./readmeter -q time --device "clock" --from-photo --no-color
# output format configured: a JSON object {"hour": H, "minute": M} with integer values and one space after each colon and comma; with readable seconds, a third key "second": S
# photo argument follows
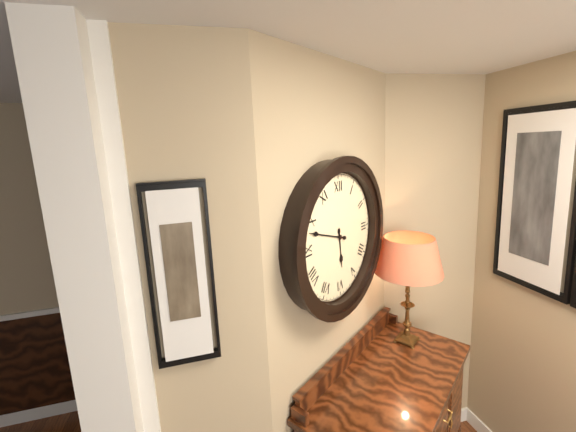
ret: {"hour": 5, "minute": 48}
